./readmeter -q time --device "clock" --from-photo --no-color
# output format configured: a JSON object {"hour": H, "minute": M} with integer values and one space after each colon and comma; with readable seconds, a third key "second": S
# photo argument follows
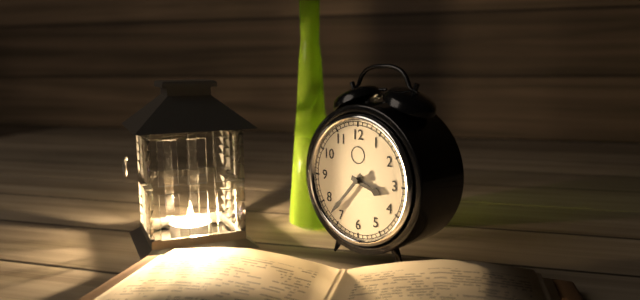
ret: {"hour": 3, "minute": 37}
